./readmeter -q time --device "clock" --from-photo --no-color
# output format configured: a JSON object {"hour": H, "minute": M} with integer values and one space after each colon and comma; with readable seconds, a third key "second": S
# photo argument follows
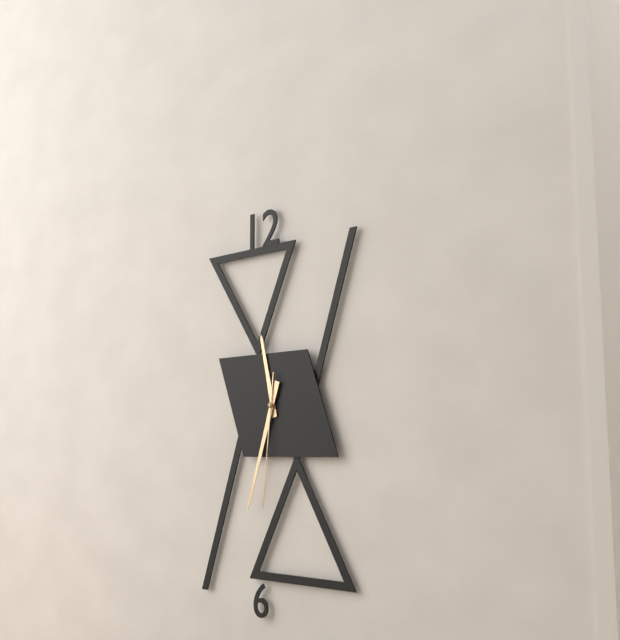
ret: {"hour": 11, "minute": 33, "second": 31}
